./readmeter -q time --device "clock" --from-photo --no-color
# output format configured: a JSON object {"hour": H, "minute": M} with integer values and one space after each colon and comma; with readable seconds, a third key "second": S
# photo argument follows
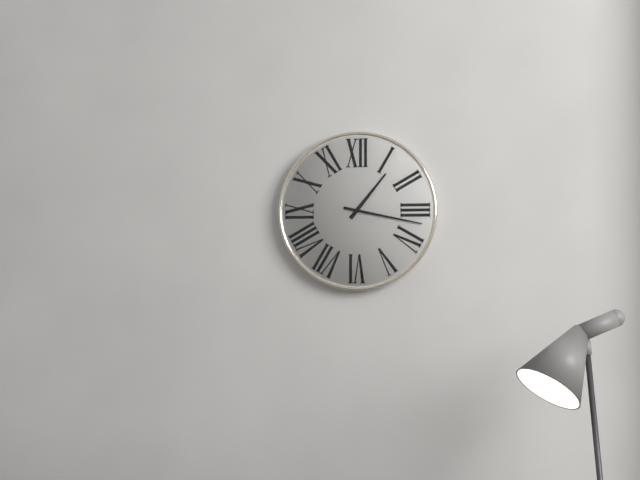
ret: {"hour": 1, "minute": 17}
